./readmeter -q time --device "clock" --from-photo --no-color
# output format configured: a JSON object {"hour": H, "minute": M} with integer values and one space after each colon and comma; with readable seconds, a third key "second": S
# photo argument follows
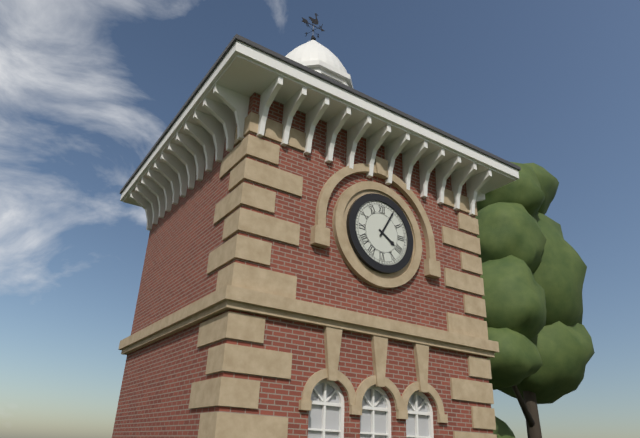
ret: {"hour": 4, "minute": 5}
